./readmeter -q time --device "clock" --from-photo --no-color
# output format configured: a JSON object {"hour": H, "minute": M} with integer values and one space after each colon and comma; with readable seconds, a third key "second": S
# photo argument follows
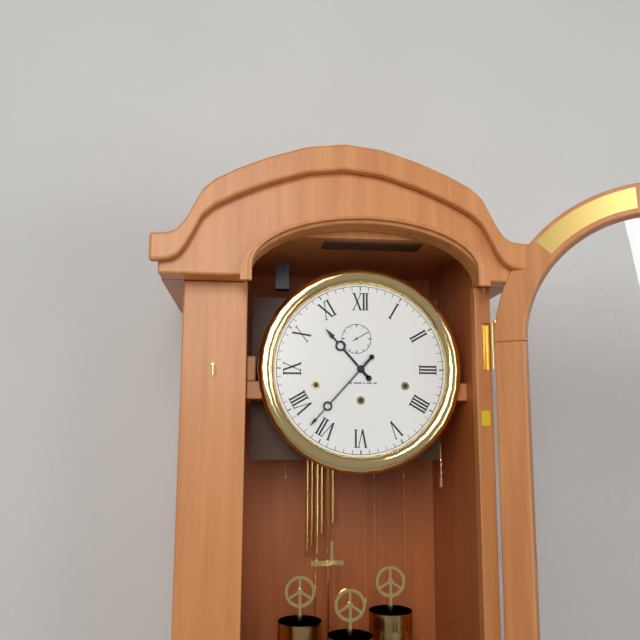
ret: {"hour": 10, "minute": 37}
